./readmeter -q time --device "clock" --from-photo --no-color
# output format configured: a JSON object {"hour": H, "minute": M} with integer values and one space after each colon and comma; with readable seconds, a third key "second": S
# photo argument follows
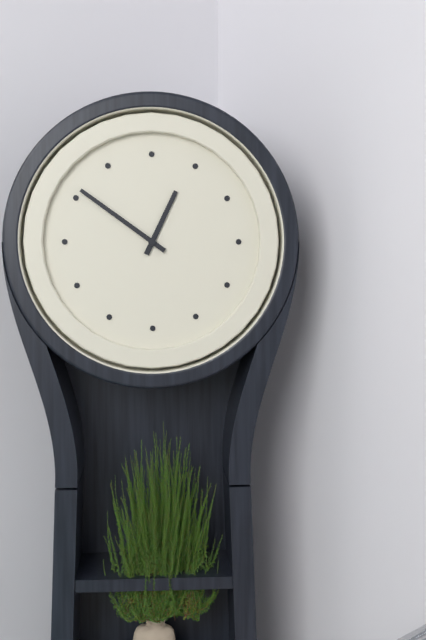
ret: {"hour": 12, "minute": 51}
